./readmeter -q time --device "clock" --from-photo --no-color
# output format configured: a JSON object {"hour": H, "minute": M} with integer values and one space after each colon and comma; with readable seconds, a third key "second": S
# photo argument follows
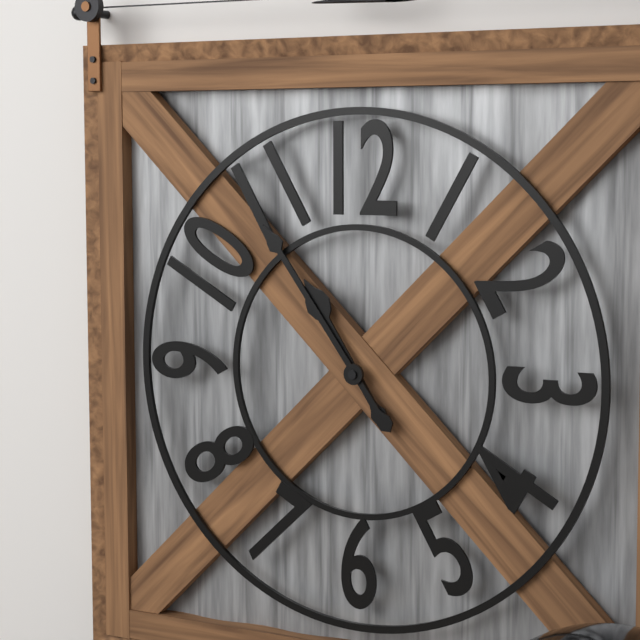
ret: {"hour": 10, "minute": 54}
